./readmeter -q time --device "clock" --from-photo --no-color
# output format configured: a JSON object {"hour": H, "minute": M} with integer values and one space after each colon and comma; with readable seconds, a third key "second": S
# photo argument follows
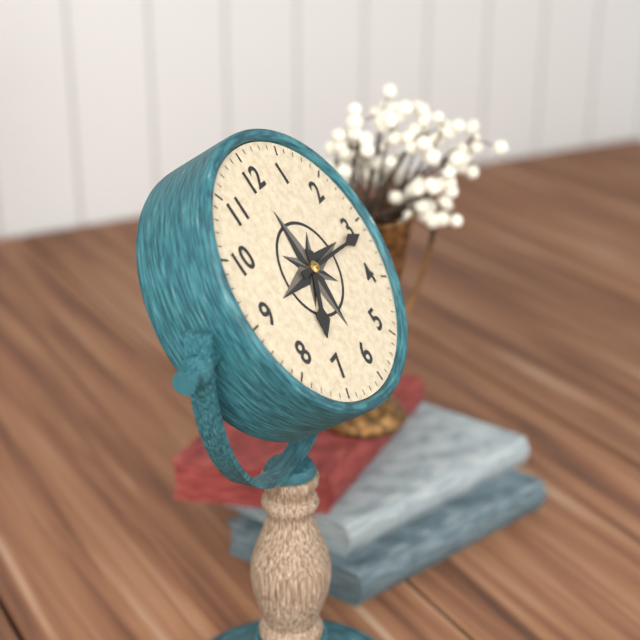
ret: {"hour": 7, "minute": 16}
